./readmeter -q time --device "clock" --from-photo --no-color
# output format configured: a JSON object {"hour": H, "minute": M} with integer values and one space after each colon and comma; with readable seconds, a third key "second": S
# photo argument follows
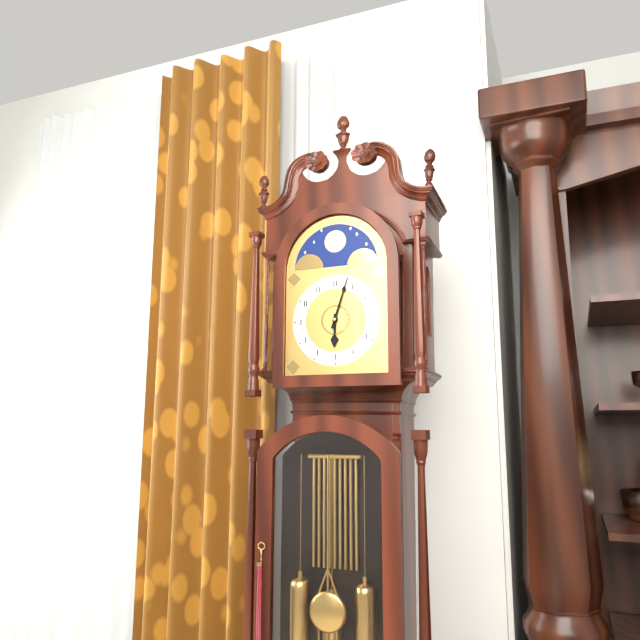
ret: {"hour": 6, "minute": 3}
